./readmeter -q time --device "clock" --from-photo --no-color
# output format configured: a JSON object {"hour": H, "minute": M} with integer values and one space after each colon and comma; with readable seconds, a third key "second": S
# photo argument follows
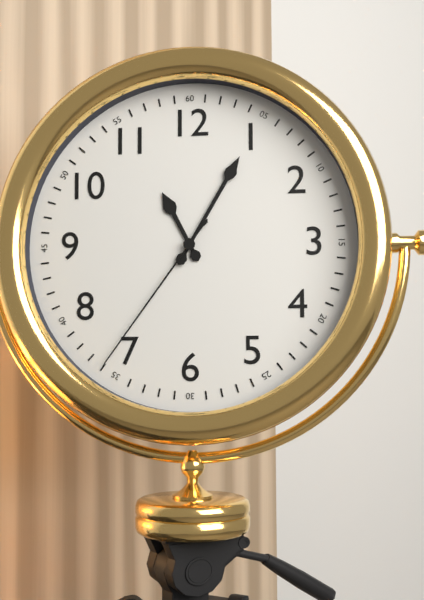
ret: {"hour": 11, "minute": 5, "second": 36}
